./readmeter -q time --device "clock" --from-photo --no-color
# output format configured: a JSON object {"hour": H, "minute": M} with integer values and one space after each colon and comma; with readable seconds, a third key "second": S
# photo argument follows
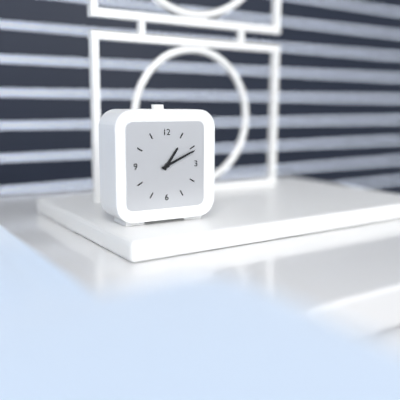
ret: {"hour": 1, "minute": 11}
